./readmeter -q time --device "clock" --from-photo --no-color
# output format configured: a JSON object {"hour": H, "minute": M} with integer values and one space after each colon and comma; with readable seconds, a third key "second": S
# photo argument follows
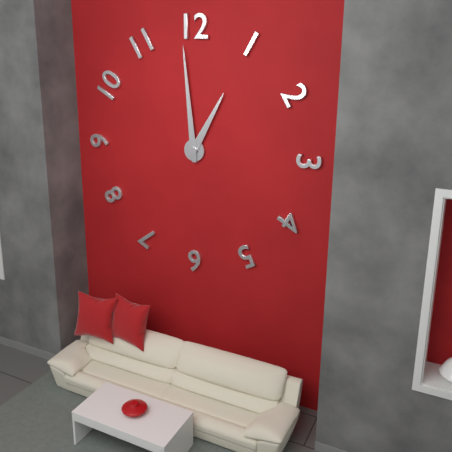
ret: {"hour": 12, "minute": 59}
